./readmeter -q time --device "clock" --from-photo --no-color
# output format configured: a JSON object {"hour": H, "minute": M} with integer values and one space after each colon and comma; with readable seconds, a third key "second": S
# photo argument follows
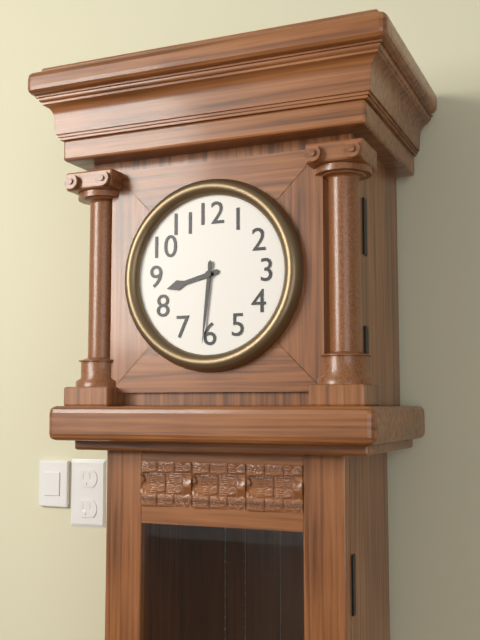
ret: {"hour": 8, "minute": 31}
